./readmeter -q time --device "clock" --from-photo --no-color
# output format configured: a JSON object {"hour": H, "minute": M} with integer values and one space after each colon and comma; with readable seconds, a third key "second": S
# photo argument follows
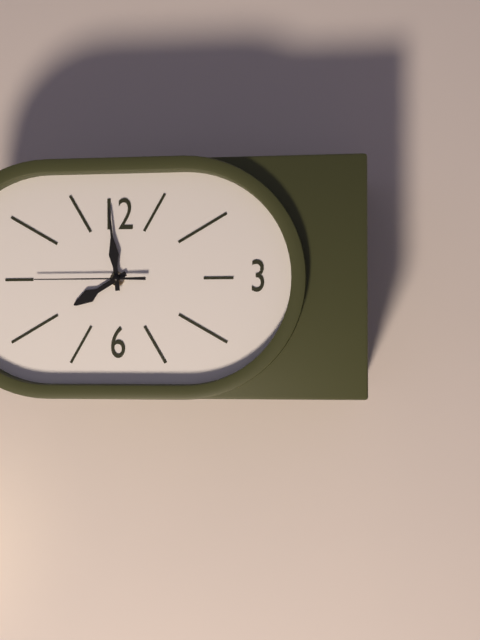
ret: {"hour": 7, "minute": 59, "second": 45}
